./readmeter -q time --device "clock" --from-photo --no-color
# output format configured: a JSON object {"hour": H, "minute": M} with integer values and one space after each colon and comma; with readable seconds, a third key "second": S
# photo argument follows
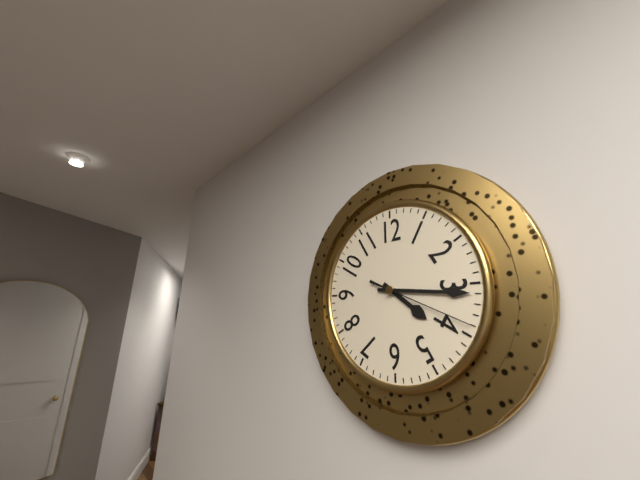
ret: {"hour": 4, "minute": 16, "second": 19}
